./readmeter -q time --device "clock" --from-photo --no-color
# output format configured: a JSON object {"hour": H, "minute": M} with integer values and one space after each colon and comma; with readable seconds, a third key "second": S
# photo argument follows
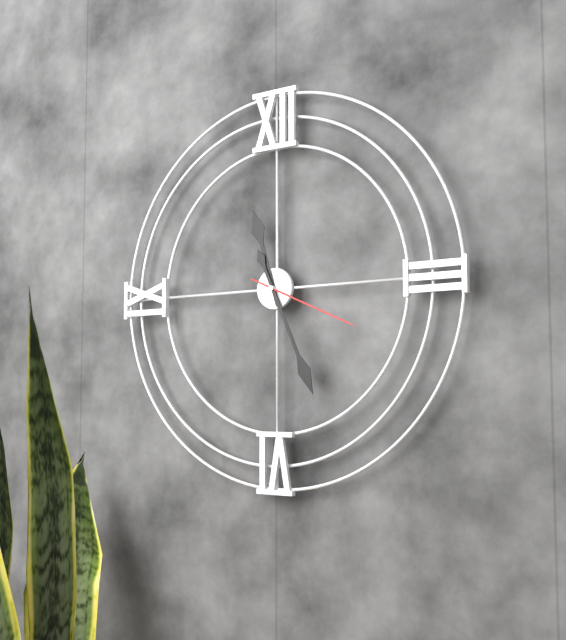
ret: {"hour": 11, "minute": 26, "second": 19}
